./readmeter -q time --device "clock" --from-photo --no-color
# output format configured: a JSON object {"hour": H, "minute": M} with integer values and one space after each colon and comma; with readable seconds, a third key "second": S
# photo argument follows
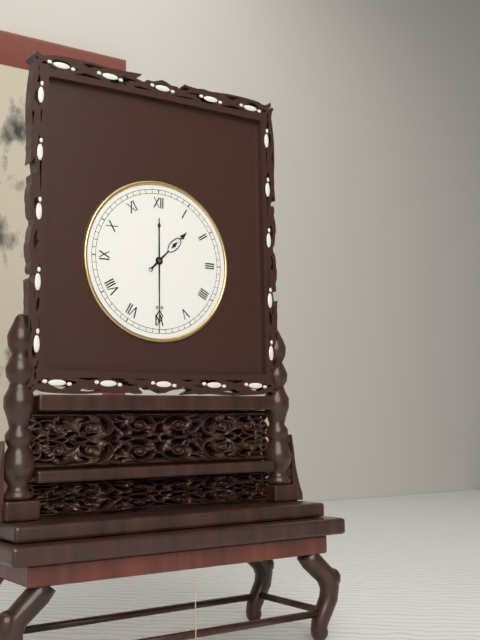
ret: {"hour": 1, "minute": 30}
